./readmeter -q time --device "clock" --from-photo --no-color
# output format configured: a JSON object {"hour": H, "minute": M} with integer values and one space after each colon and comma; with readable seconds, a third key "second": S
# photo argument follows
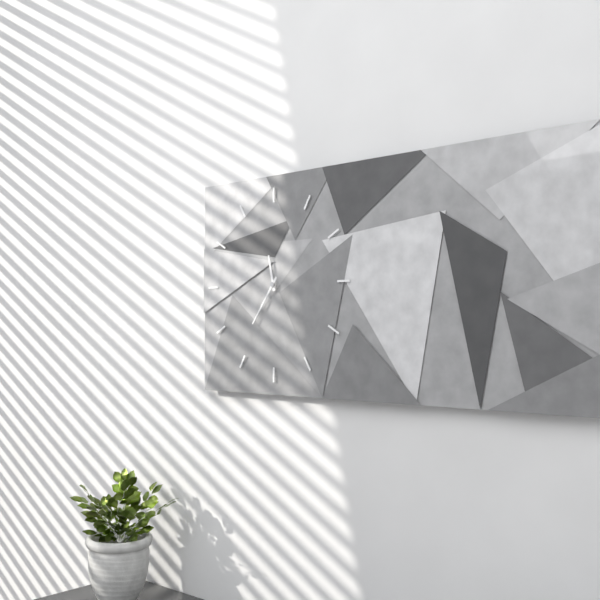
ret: {"hour": 11, "minute": 36}
